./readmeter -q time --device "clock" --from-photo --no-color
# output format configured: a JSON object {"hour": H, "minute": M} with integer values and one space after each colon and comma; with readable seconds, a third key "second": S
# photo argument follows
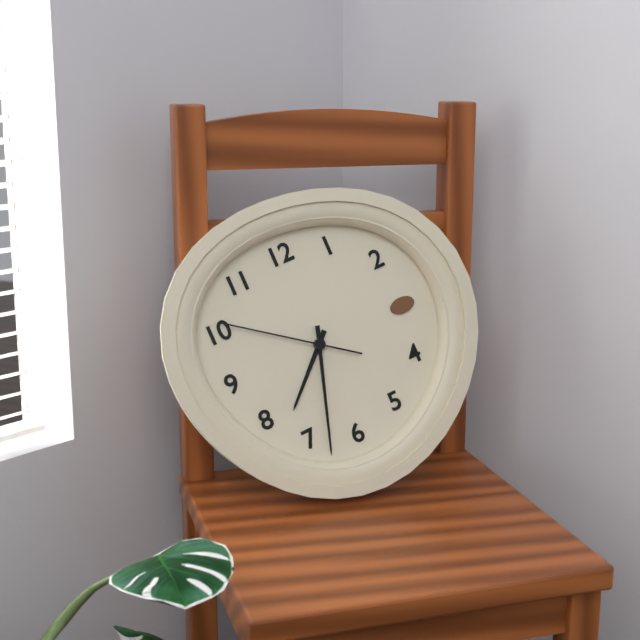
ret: {"hour": 7, "minute": 33, "second": 51}
